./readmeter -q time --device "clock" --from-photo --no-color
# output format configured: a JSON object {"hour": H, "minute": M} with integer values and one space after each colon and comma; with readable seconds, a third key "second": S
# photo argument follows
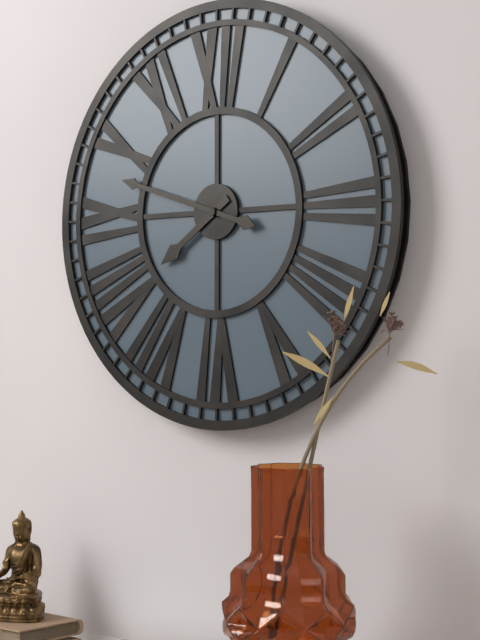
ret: {"hour": 7, "minute": 48}
